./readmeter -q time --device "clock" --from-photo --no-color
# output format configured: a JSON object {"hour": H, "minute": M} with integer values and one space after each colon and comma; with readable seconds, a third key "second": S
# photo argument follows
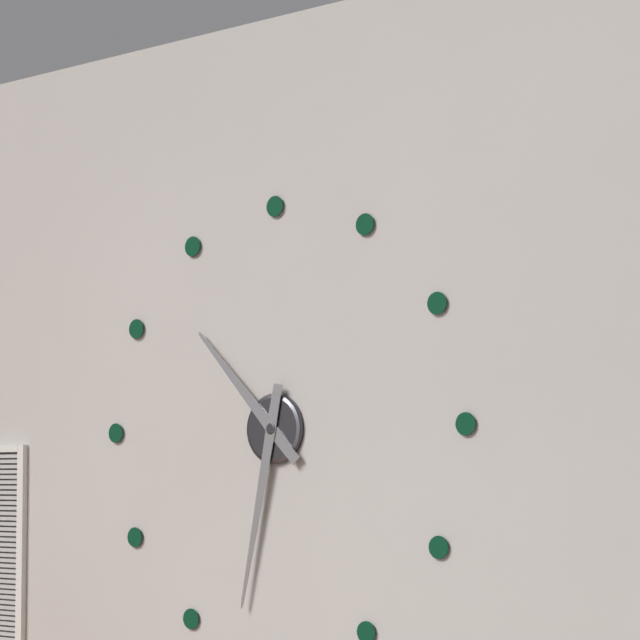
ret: {"hour": 10, "minute": 32}
